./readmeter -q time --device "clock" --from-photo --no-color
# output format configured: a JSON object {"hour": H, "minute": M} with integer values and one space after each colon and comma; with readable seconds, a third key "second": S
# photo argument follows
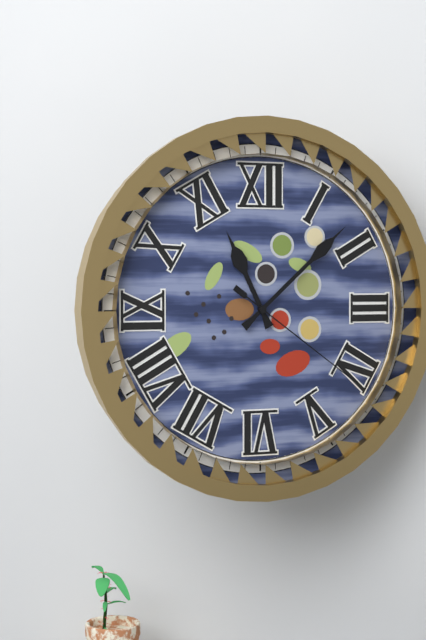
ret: {"hour": 11, "minute": 8, "second": 21}
